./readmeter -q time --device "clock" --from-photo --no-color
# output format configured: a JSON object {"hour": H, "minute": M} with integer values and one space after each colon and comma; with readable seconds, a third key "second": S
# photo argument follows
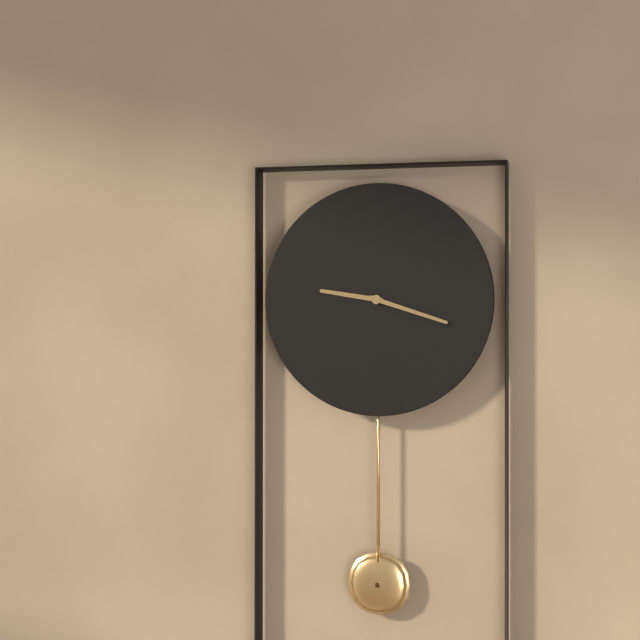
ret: {"hour": 9, "minute": 18}
